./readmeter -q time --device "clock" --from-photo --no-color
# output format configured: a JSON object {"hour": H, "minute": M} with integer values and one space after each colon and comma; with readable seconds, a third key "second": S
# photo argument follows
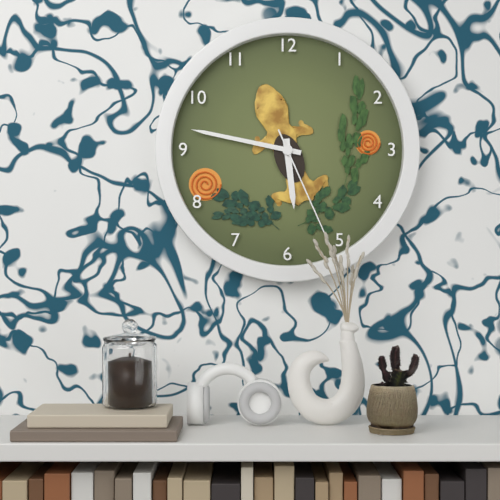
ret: {"hour": 5, "minute": 47, "second": 26}
